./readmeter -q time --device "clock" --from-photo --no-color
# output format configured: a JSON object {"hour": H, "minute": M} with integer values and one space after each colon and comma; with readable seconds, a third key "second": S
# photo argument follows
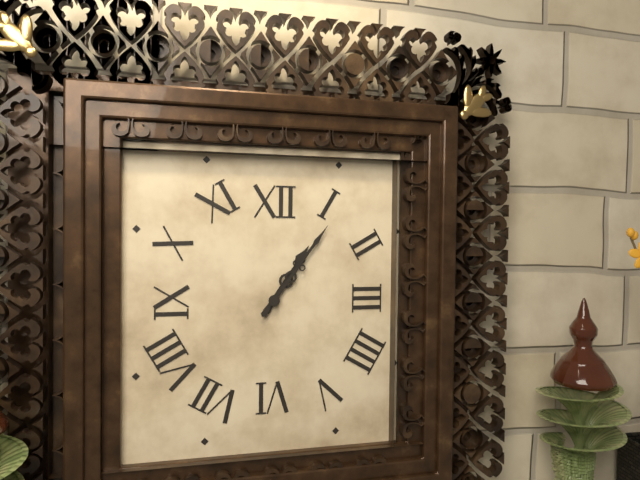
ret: {"hour": 1, "minute": 6}
